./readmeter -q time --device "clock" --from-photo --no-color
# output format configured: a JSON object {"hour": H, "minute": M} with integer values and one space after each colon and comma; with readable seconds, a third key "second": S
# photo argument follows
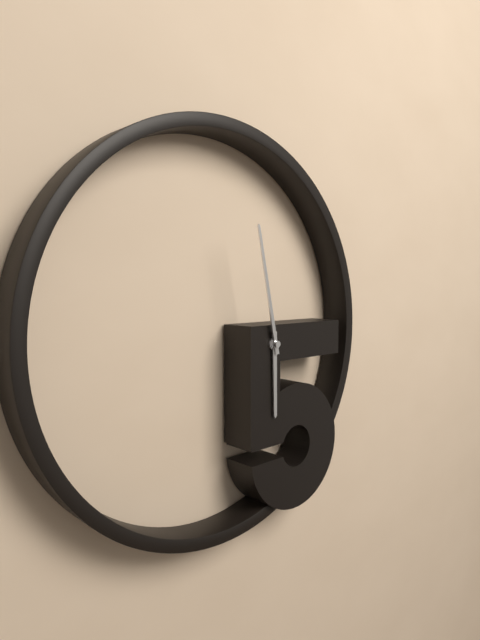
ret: {"hour": 5, "minute": 58}
